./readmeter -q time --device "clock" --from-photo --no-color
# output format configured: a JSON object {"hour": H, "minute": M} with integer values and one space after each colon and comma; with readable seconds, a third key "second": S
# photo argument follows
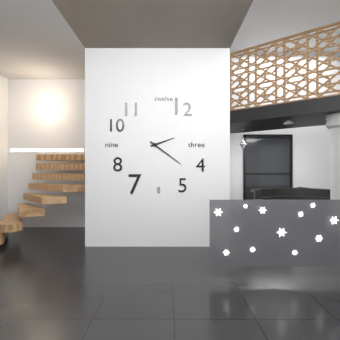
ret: {"hour": 2, "minute": 21}
